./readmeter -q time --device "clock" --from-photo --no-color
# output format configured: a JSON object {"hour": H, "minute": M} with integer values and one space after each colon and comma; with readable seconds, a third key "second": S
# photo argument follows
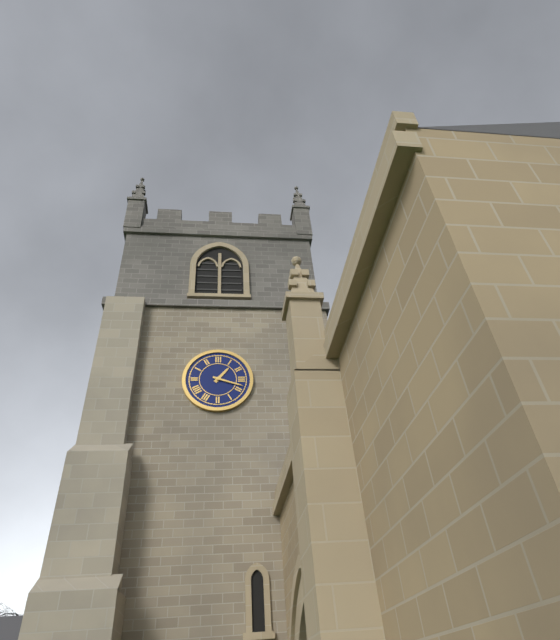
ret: {"hour": 1, "minute": 18}
